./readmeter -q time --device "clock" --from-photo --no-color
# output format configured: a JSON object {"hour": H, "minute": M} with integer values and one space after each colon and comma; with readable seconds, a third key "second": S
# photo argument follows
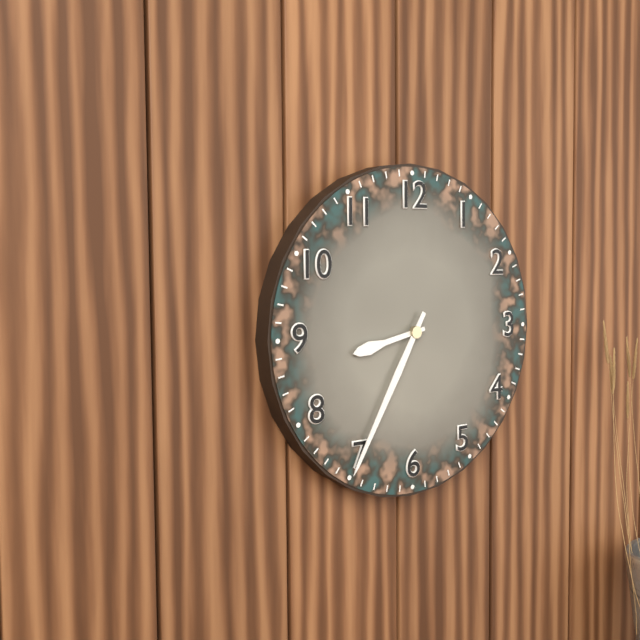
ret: {"hour": 8, "minute": 35}
